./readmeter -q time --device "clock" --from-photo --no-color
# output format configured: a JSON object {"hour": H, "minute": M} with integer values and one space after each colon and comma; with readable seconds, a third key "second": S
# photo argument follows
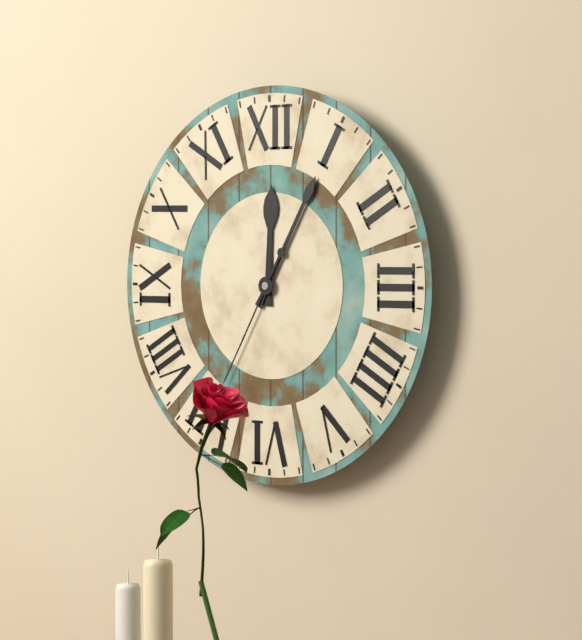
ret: {"hour": 12, "minute": 5, "second": 35}
